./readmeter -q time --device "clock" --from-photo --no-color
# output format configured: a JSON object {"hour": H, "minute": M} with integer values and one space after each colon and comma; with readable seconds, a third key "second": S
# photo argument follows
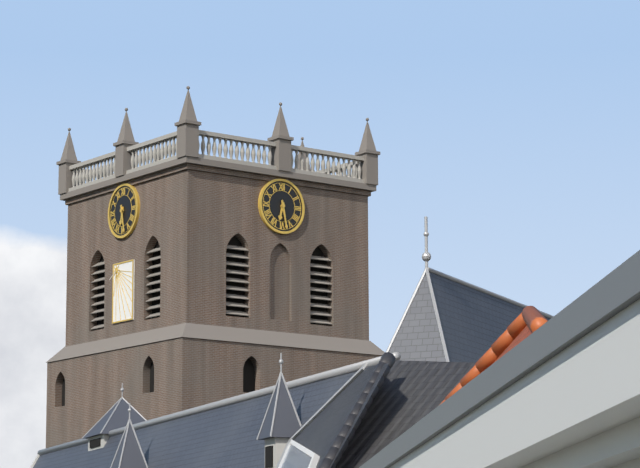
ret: {"hour": 6, "minute": 28}
